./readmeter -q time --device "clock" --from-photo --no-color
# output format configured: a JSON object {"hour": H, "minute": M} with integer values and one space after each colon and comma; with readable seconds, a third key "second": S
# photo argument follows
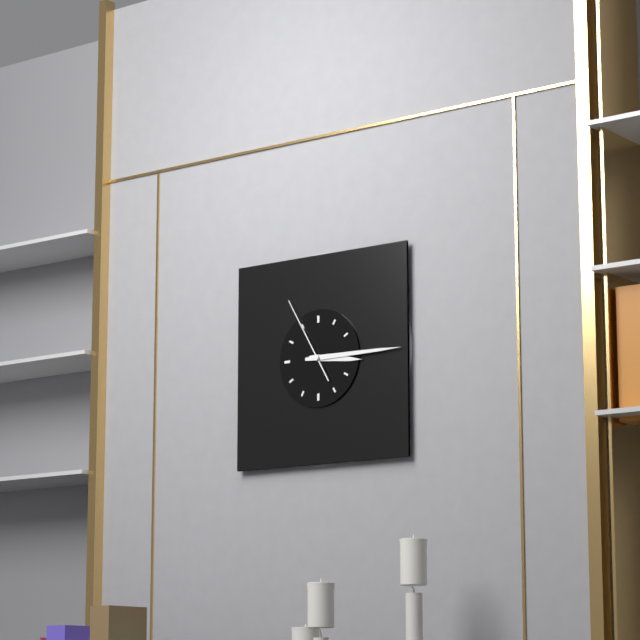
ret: {"hour": 3, "minute": 15, "second": 55}
